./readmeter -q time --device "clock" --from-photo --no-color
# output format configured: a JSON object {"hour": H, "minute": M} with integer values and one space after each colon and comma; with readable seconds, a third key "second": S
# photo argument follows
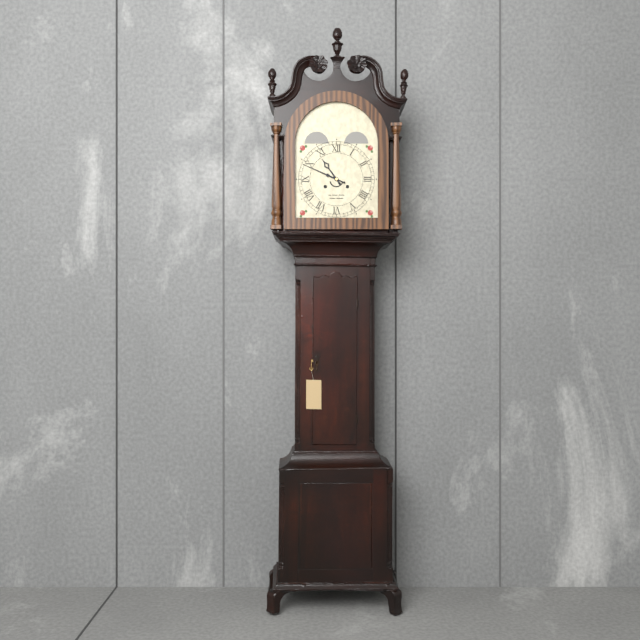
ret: {"hour": 10, "minute": 49}
